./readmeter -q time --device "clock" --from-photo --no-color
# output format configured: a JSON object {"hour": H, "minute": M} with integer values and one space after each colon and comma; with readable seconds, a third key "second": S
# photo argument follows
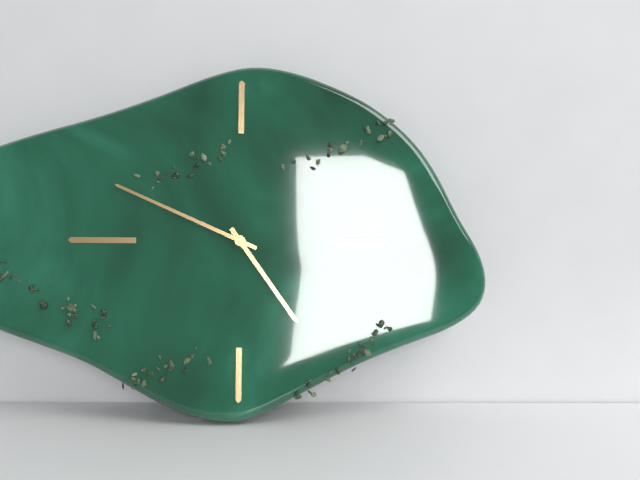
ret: {"hour": 4, "minute": 49}
